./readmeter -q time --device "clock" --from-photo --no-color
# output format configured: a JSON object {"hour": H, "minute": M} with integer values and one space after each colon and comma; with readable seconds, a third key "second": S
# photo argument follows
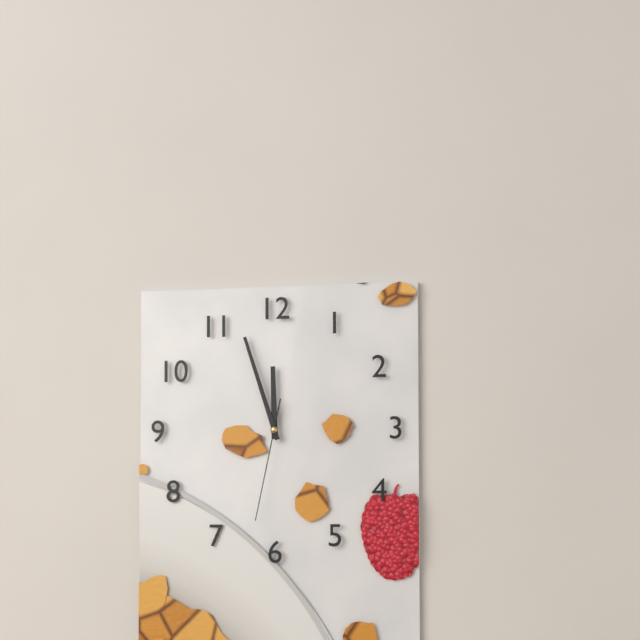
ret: {"hour": 11, "minute": 57, "second": 32}
